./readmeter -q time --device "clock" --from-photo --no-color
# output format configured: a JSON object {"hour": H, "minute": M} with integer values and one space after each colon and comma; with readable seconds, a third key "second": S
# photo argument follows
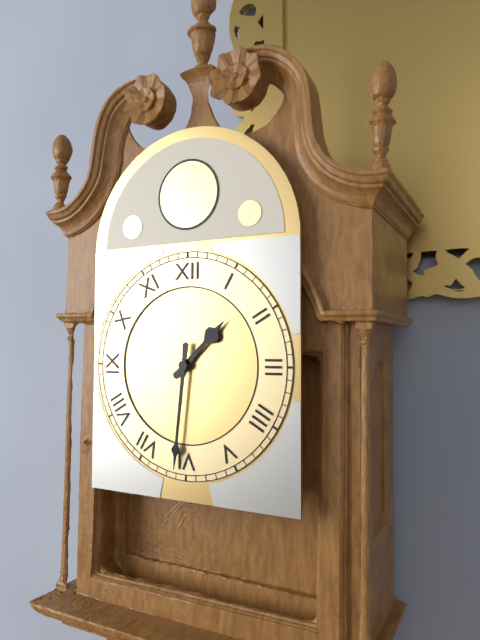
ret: {"hour": 1, "minute": 31}
